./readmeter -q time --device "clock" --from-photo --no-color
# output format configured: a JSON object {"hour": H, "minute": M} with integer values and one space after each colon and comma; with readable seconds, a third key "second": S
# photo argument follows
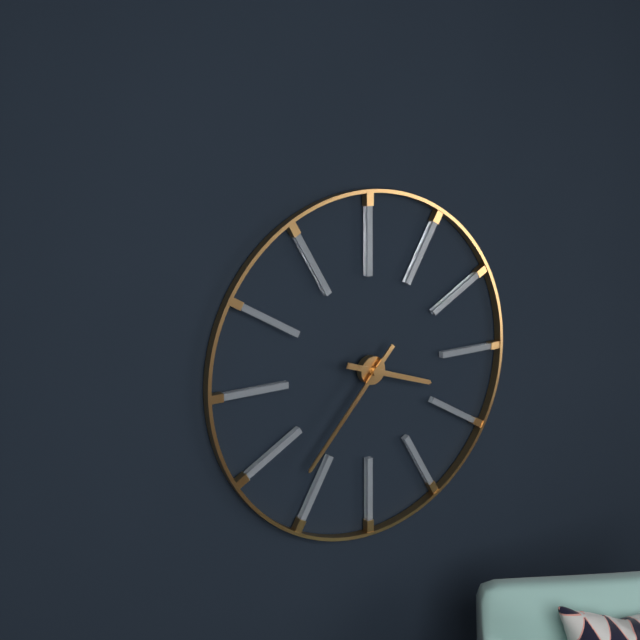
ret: {"hour": 3, "minute": 37}
